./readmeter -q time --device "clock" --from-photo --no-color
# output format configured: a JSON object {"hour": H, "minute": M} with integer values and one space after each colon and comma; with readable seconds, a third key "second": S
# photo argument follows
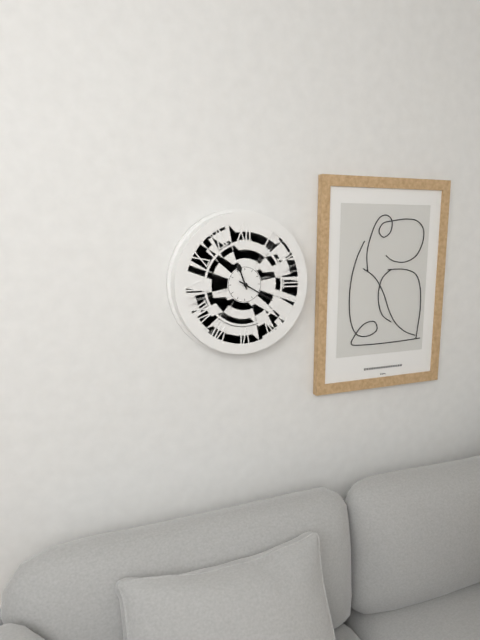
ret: {"hour": 11, "minute": 20}
